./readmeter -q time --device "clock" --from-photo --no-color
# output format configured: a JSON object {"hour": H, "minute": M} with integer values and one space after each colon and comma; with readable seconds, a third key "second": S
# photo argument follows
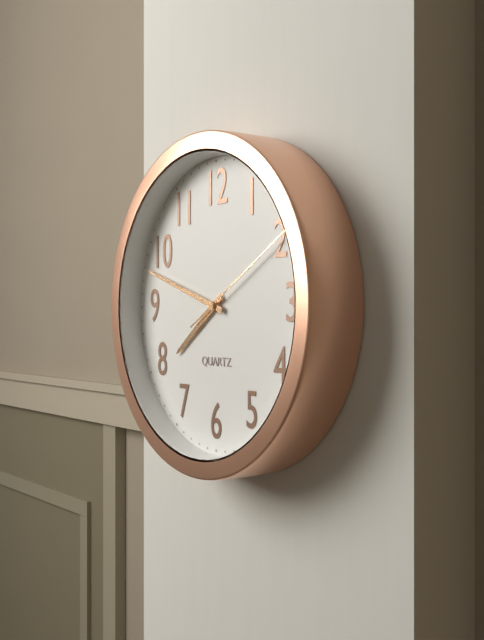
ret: {"hour": 7, "minute": 48, "second": 10}
